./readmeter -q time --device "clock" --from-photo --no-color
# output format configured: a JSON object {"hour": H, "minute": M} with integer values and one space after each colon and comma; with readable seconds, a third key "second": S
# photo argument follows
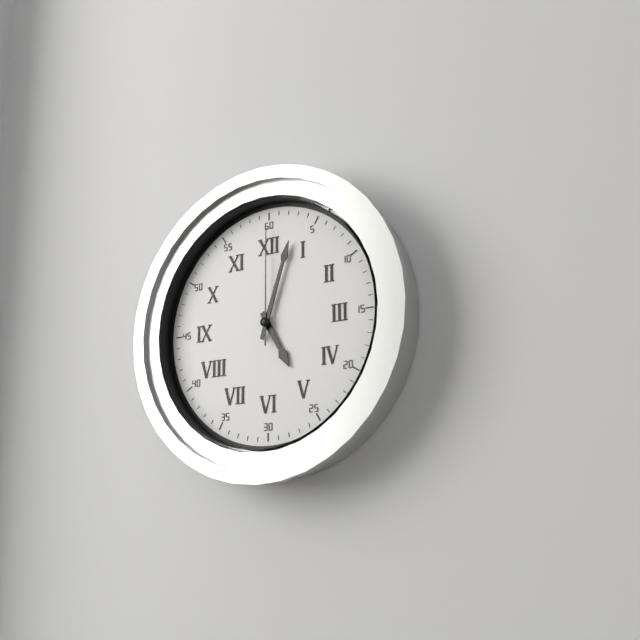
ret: {"hour": 5, "minute": 3, "second": 0}
